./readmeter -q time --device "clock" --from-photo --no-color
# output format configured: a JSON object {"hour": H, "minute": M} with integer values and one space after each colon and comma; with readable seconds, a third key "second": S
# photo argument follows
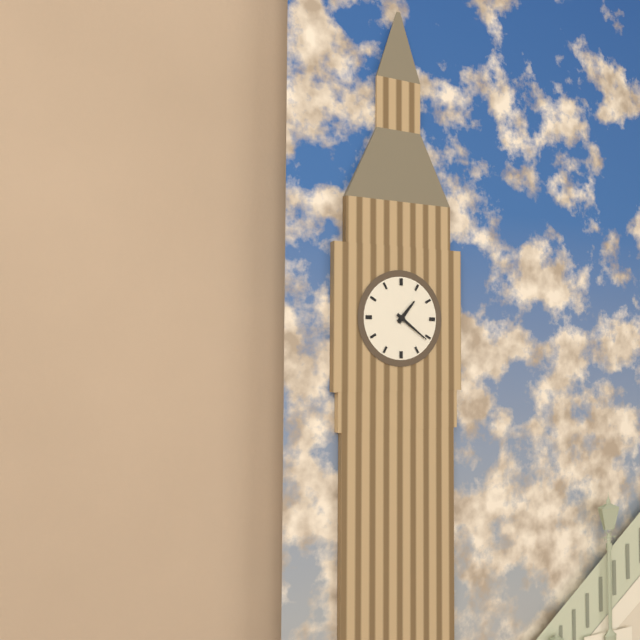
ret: {"hour": 1, "minute": 21}
